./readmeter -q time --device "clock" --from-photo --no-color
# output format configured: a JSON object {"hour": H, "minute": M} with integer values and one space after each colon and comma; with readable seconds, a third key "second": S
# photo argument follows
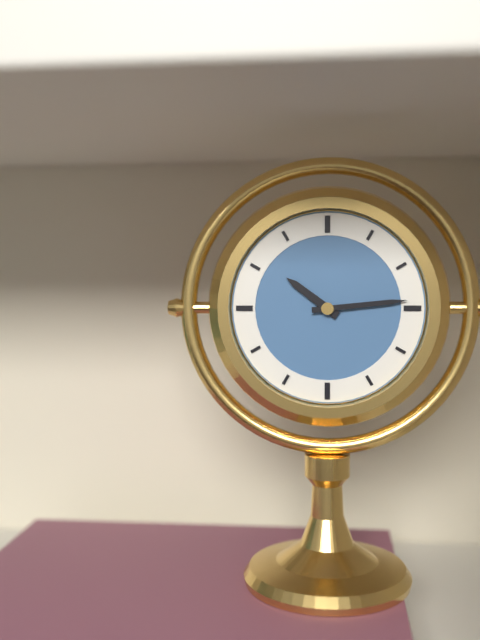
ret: {"hour": 10, "minute": 14}
